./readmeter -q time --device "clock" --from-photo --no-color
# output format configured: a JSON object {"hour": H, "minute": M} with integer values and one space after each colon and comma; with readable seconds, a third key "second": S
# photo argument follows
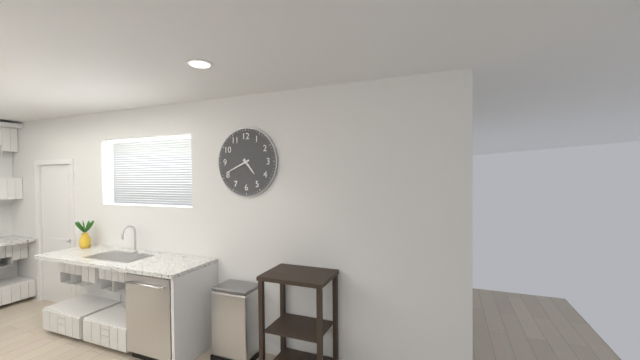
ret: {"hour": 4, "minute": 41}
